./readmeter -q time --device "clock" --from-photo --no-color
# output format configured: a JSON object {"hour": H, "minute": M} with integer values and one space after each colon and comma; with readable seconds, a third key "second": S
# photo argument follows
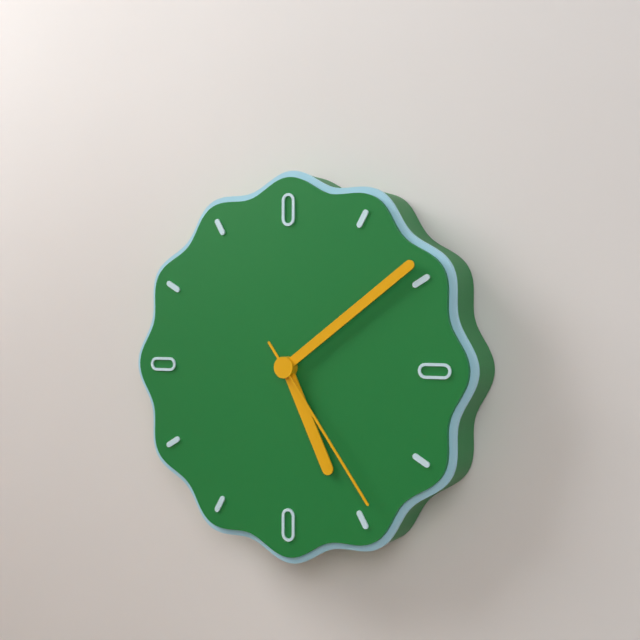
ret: {"hour": 5, "minute": 9, "second": 24}
